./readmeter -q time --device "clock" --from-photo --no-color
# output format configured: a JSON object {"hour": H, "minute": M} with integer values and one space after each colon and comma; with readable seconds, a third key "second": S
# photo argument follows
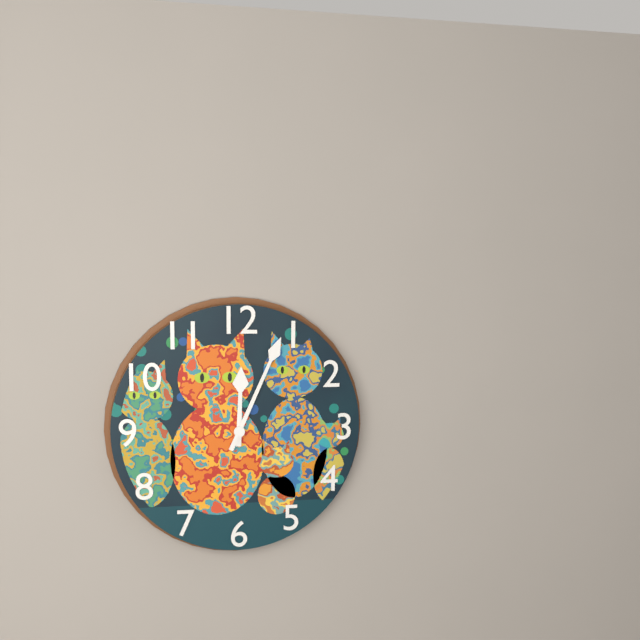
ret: {"hour": 12, "minute": 4}
